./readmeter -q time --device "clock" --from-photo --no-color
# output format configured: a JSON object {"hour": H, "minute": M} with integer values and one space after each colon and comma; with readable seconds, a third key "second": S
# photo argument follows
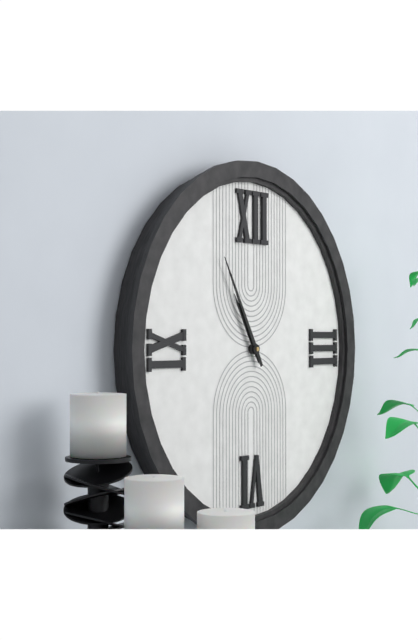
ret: {"hour": 10, "minute": 55}
